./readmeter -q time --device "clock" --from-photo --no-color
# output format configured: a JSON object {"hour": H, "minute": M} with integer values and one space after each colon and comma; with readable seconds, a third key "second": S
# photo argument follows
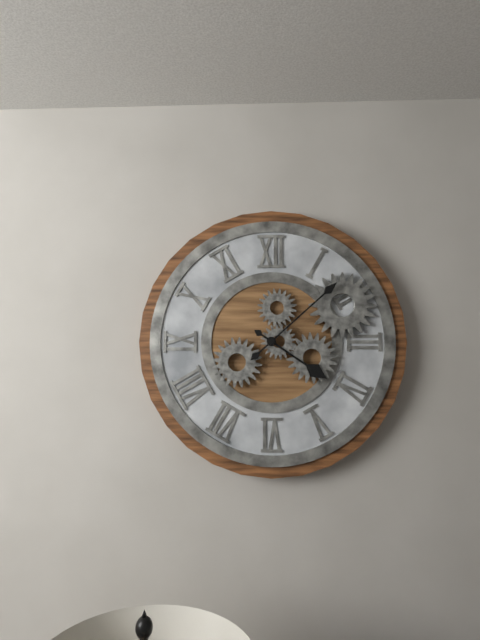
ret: {"hour": 4, "minute": 8}
